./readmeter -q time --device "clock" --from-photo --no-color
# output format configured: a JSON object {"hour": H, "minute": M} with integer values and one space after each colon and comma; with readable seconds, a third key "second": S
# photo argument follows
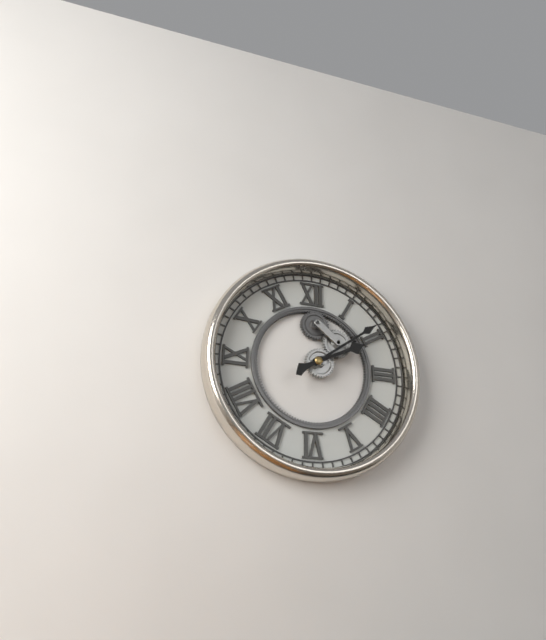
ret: {"hour": 2, "minute": 9}
